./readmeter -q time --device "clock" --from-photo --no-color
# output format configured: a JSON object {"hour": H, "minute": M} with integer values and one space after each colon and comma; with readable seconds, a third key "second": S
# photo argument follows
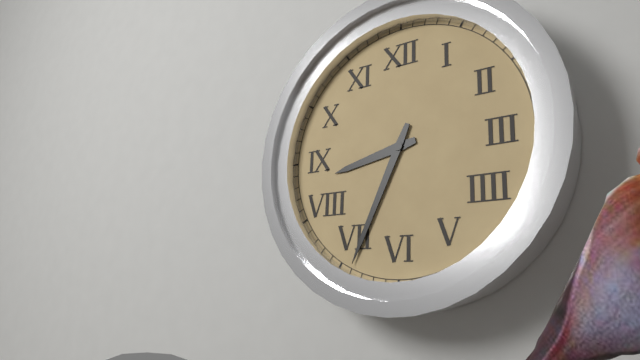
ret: {"hour": 8, "minute": 34}
